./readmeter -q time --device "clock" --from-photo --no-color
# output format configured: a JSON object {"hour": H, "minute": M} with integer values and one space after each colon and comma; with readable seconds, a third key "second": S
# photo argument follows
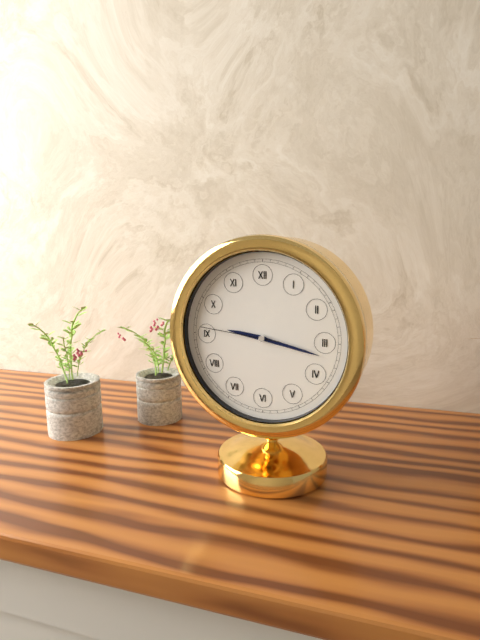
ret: {"hour": 9, "minute": 17, "second": 46}
